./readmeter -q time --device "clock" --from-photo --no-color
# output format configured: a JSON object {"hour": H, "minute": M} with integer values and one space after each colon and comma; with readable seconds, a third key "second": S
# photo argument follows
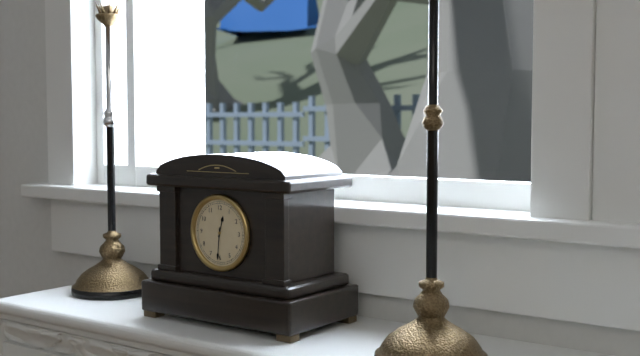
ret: {"hour": 12, "minute": 31}
